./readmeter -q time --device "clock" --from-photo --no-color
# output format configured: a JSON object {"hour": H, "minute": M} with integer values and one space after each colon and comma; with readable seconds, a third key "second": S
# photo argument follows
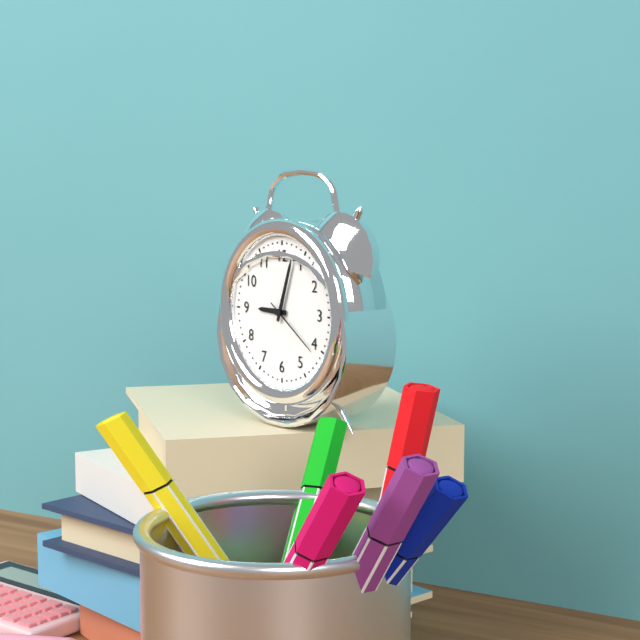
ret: {"hour": 9, "minute": 3, "second": 21}
